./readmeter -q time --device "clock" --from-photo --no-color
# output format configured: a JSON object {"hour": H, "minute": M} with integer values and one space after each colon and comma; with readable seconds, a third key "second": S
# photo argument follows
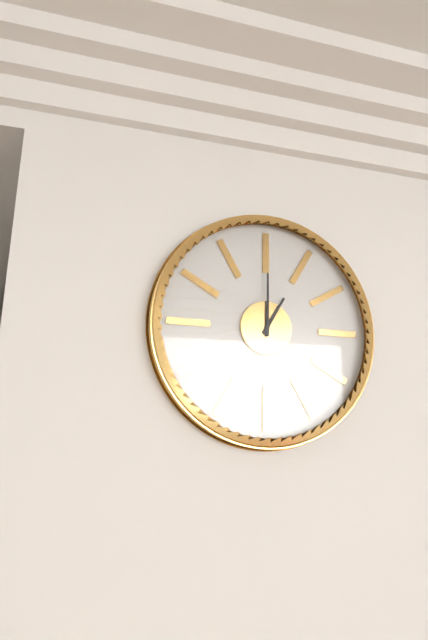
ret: {"hour": 1, "minute": 0}
